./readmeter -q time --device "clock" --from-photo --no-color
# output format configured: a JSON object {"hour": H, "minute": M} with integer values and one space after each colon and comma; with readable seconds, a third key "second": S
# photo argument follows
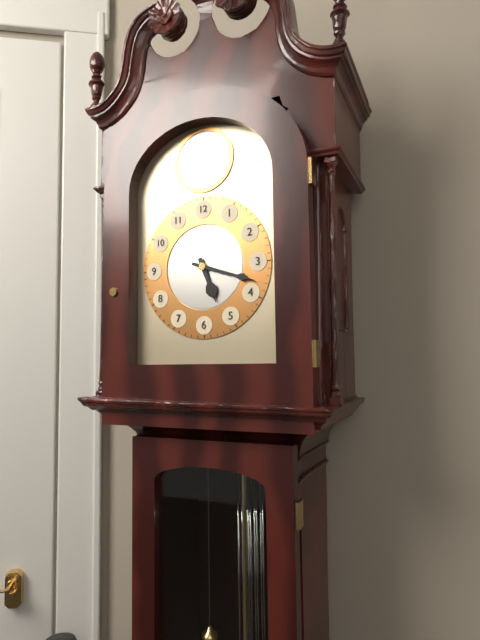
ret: {"hour": 5, "minute": 18}
